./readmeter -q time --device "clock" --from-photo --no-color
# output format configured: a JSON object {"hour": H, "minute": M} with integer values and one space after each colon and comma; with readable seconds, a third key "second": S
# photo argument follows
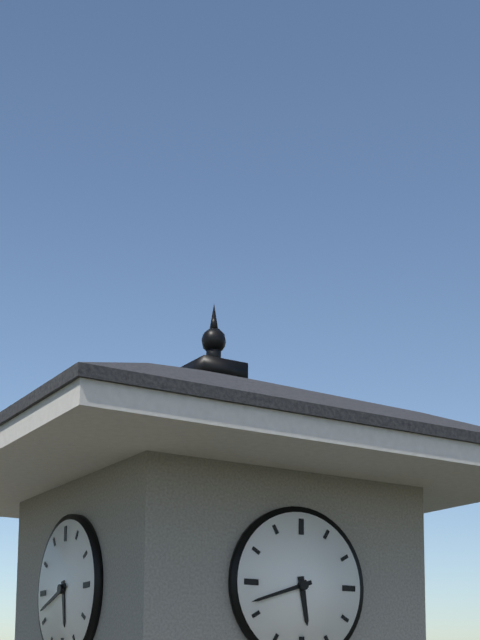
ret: {"hour": 5, "minute": 42}
